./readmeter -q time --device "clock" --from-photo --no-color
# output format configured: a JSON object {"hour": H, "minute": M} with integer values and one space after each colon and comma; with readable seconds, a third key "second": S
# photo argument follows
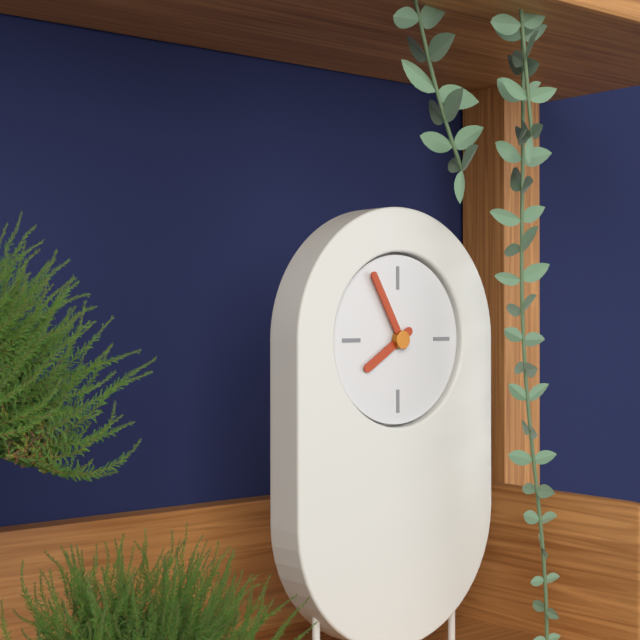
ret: {"hour": 7, "minute": 55}
